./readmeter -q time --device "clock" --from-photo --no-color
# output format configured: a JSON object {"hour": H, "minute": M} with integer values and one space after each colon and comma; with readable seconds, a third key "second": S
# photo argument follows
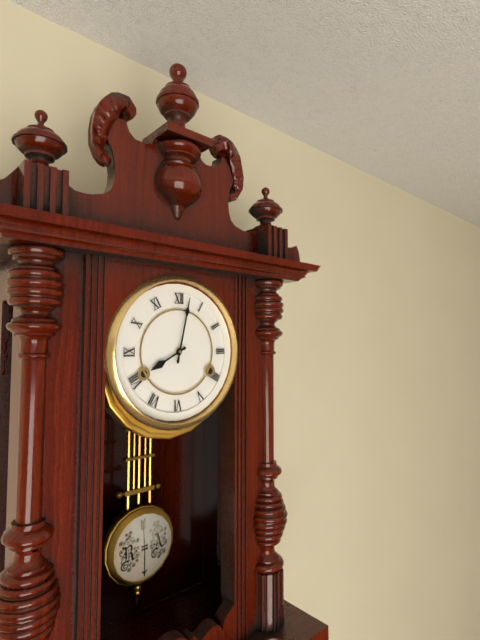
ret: {"hour": 8, "minute": 2}
